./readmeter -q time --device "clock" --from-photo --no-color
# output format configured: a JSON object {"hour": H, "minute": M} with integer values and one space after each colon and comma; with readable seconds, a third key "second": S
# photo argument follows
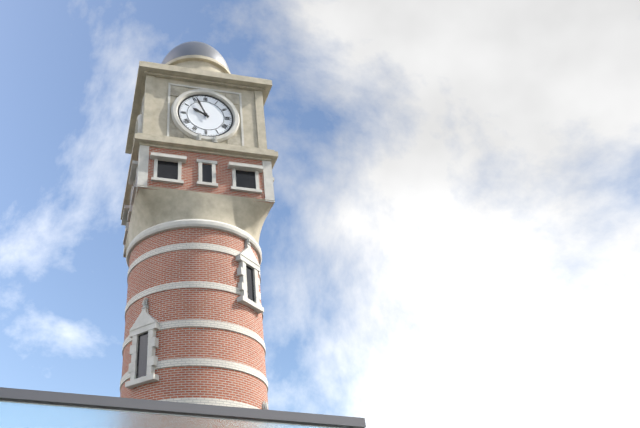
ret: {"hour": 9, "minute": 56}
